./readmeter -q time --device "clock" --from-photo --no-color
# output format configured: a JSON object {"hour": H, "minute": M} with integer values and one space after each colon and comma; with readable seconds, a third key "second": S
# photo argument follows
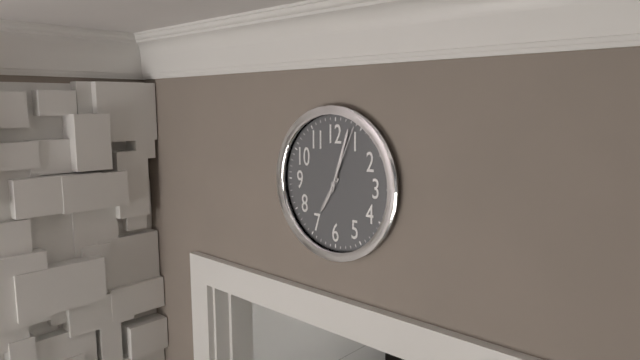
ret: {"hour": 7, "minute": 3, "second": 4}
